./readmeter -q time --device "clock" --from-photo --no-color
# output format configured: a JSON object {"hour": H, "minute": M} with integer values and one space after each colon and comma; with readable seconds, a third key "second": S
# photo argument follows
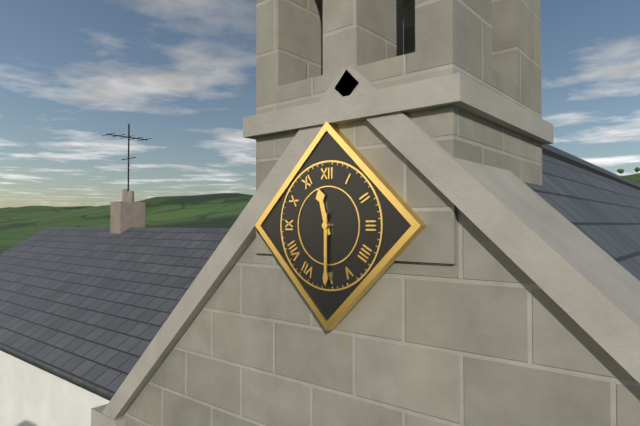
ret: {"hour": 11, "minute": 30}
